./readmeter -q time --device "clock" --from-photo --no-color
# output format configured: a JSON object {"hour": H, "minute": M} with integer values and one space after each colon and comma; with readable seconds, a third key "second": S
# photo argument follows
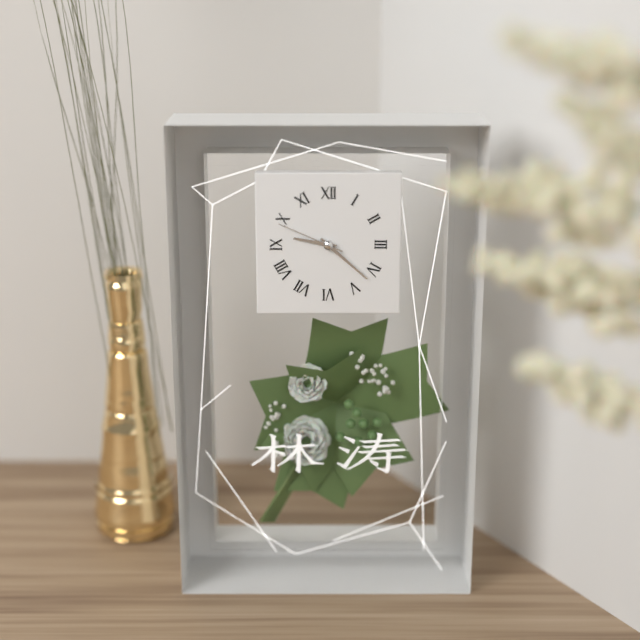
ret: {"hour": 9, "minute": 22, "second": 49}
